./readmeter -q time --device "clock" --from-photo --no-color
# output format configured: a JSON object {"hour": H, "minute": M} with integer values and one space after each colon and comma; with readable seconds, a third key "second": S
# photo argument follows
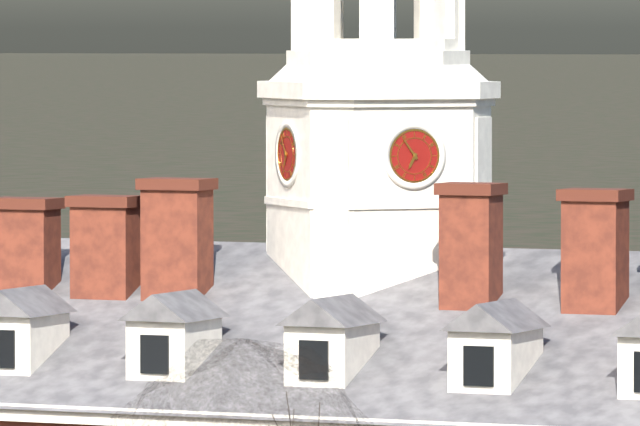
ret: {"hour": 6, "minute": 54}
